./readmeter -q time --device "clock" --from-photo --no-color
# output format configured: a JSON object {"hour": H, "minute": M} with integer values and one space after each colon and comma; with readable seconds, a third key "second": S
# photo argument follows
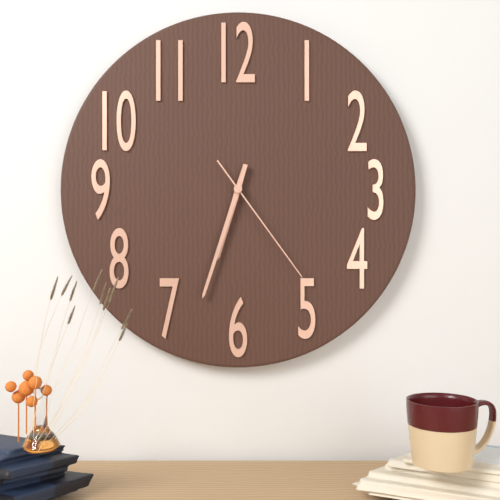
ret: {"hour": 6, "minute": 33, "second": 24}
